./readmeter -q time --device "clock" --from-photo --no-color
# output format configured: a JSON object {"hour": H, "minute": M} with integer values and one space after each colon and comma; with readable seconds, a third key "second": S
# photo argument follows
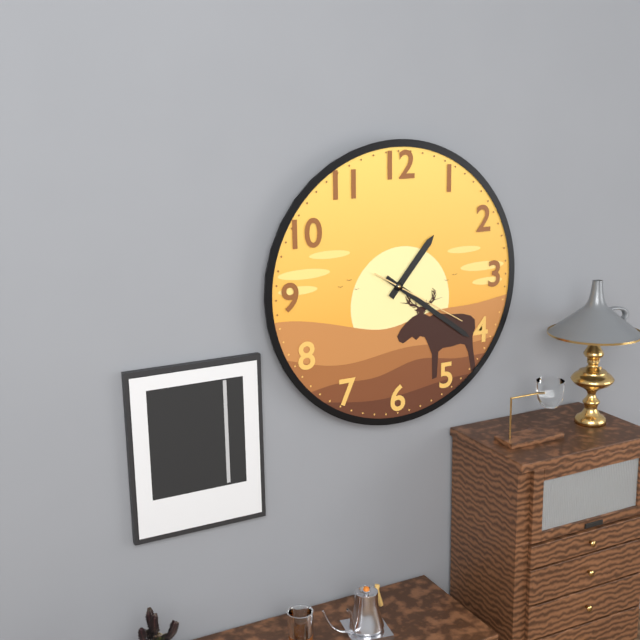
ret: {"hour": 1, "minute": 21, "second": 20}
